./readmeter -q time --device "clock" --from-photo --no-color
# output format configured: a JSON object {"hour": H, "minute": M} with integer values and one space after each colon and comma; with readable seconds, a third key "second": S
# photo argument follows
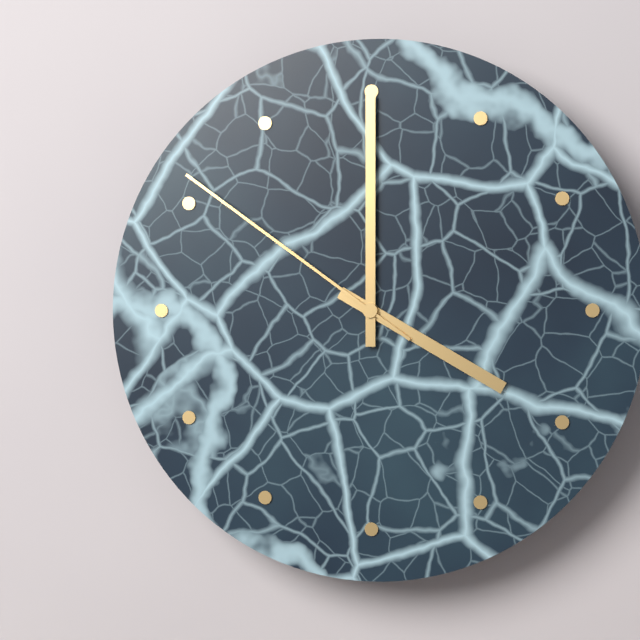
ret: {"hour": 4, "minute": 0, "second": 51}
